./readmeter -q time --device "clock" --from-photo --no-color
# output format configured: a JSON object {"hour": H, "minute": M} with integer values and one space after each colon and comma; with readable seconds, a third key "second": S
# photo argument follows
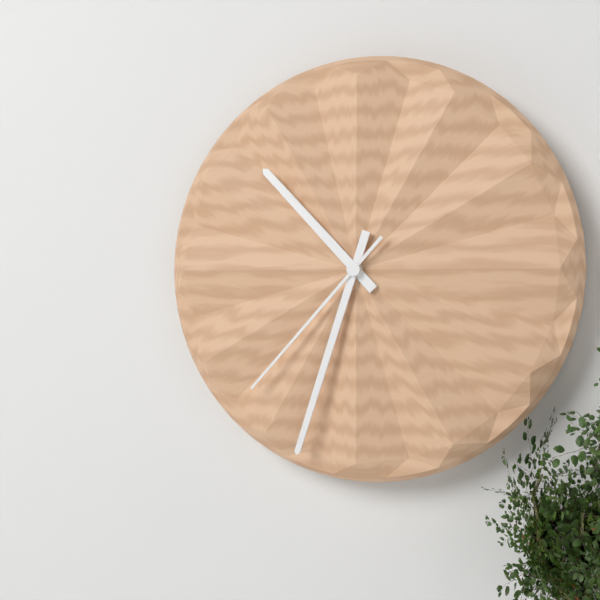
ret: {"hour": 10, "minute": 33, "second": 37}
